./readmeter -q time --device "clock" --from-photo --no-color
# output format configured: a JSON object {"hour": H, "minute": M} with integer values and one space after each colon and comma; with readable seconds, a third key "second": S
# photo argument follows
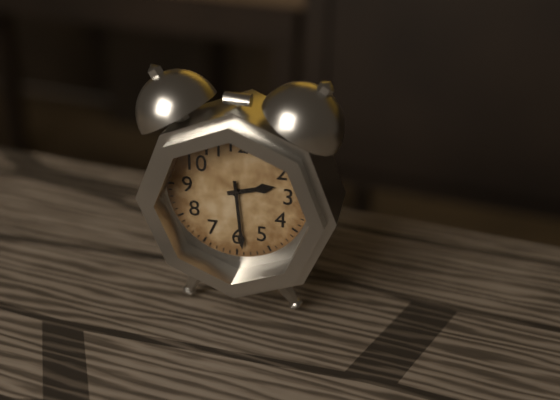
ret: {"hour": 2, "minute": 29}
